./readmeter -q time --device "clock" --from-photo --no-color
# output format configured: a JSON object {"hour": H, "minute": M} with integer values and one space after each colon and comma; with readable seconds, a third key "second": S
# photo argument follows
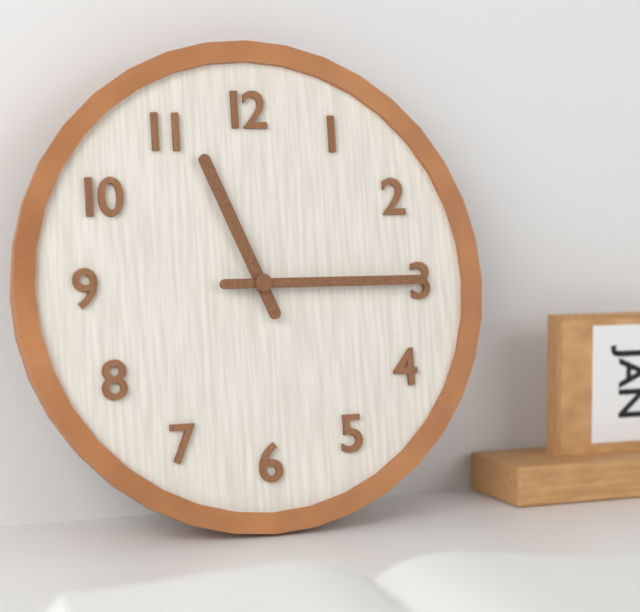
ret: {"hour": 11, "minute": 15}
